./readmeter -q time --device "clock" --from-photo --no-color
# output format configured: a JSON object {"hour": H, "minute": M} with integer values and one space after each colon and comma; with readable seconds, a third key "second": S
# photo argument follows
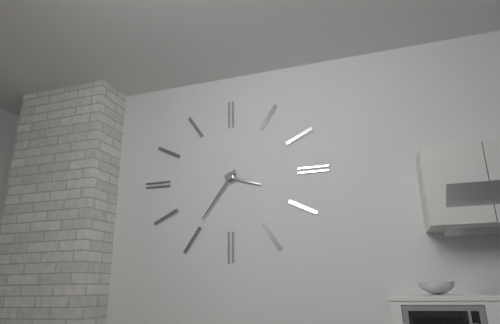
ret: {"hour": 3, "minute": 36}
